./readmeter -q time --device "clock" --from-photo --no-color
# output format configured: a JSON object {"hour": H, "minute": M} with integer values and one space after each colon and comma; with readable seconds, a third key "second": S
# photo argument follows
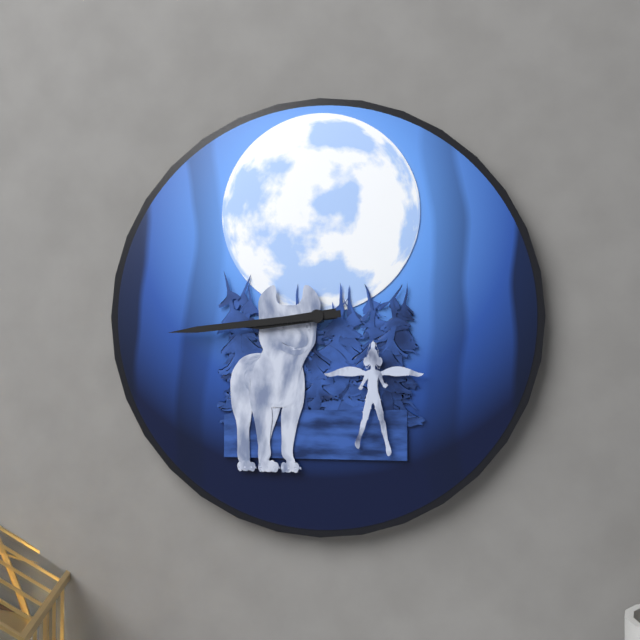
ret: {"hour": 8, "minute": 44}
